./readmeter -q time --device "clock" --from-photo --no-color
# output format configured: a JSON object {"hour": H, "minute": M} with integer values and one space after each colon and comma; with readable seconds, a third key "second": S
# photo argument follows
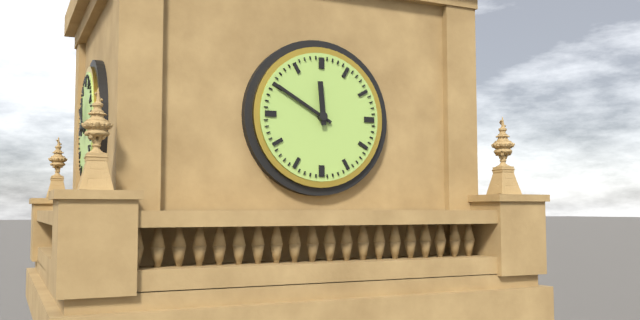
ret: {"hour": 11, "minute": 50}
